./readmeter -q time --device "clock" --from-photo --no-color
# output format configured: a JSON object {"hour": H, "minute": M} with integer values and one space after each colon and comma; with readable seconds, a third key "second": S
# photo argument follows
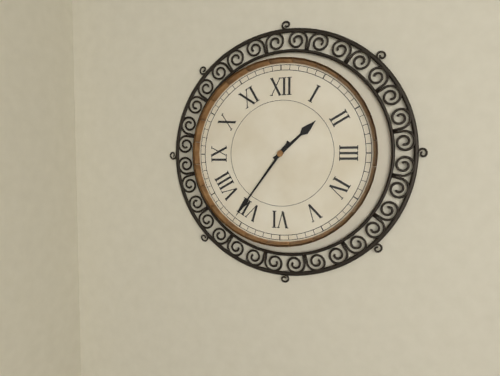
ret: {"hour": 1, "minute": 36}
